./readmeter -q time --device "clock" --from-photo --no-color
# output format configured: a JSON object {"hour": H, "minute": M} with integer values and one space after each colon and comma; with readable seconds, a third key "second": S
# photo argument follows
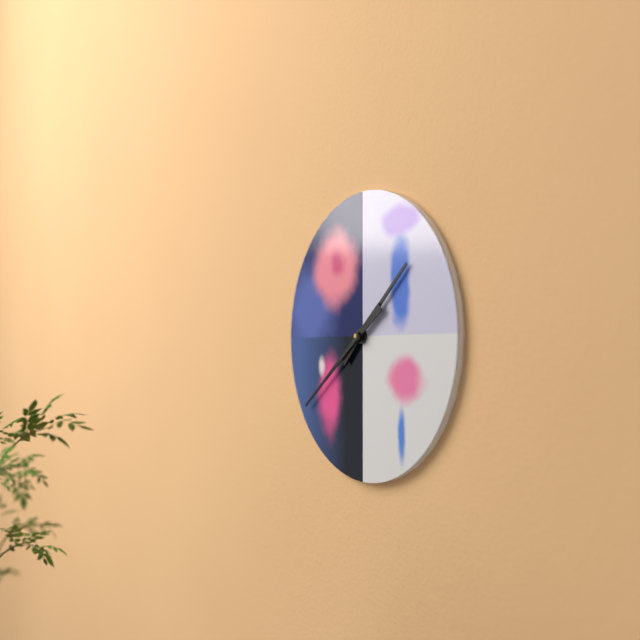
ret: {"hour": 1, "minute": 39}
